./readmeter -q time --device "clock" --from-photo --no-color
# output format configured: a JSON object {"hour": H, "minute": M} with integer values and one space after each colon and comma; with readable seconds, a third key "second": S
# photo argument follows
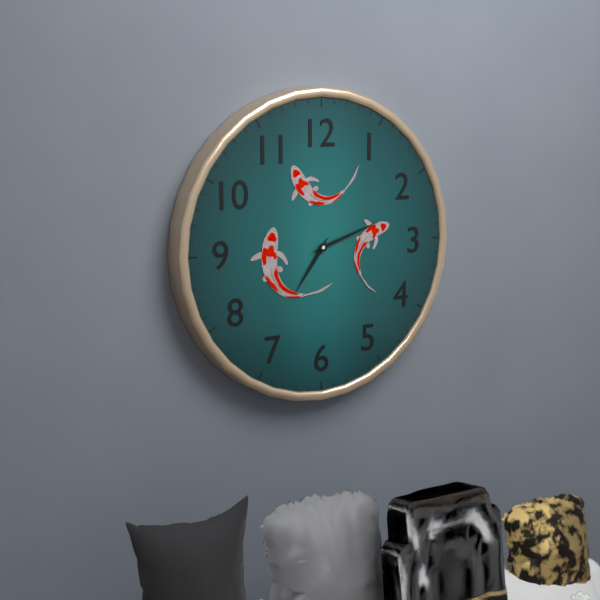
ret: {"hour": 7, "minute": 12}
